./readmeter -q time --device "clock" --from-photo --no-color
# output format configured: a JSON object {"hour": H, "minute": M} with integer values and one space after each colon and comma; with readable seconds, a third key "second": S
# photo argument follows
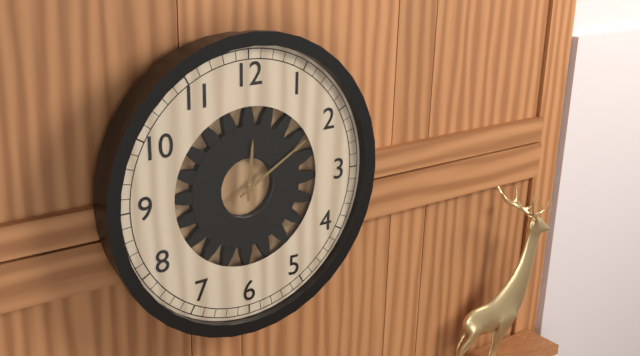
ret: {"hour": 12, "minute": 10}
